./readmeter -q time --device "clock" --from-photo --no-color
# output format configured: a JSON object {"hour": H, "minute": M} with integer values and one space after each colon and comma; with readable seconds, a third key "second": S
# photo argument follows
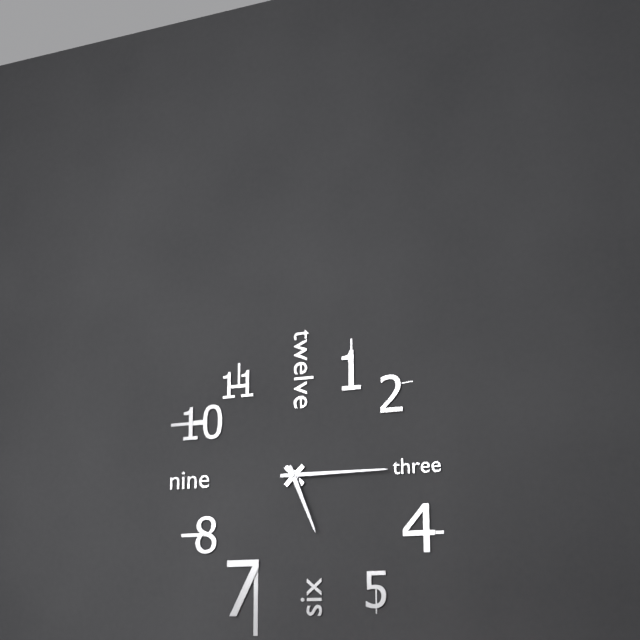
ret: {"hour": 5, "minute": 15}
